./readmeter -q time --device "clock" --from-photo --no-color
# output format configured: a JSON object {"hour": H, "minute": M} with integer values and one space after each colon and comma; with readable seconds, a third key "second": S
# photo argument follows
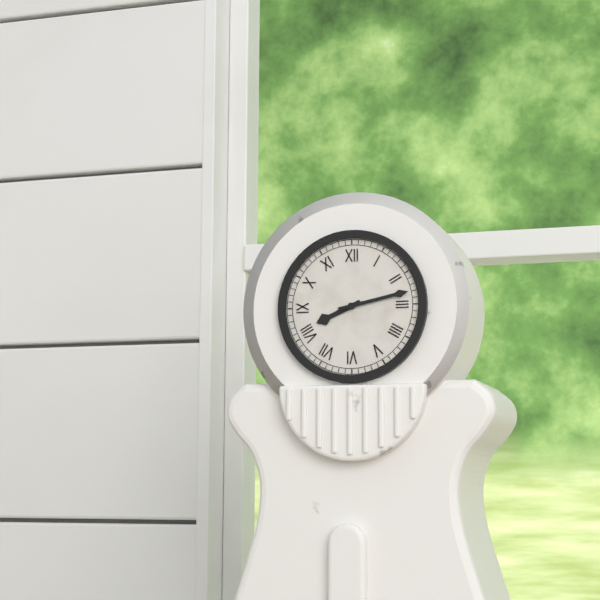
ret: {"hour": 8, "minute": 13}
